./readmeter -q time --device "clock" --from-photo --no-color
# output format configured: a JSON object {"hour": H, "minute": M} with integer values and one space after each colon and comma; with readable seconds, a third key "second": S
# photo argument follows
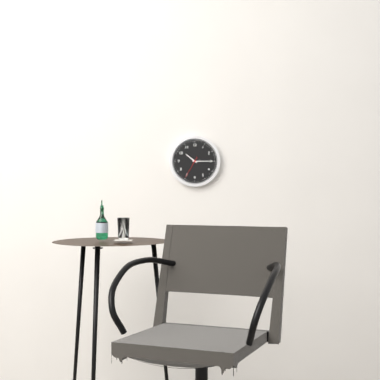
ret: {"hour": 10, "minute": 15}
